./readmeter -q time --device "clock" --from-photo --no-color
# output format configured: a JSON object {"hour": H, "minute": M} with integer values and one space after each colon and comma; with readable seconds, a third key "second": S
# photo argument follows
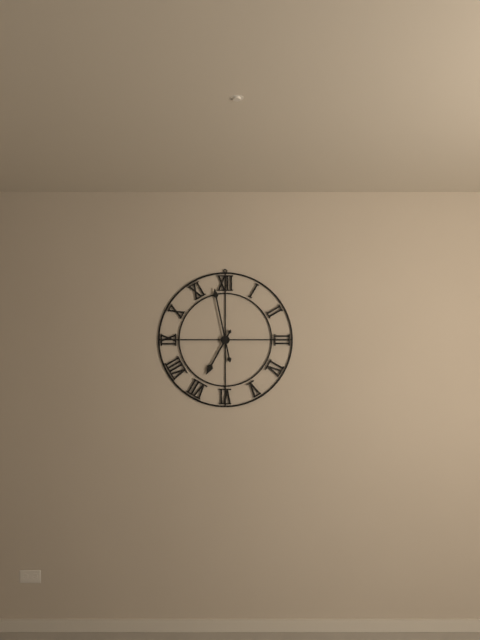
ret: {"hour": 6, "minute": 58}
